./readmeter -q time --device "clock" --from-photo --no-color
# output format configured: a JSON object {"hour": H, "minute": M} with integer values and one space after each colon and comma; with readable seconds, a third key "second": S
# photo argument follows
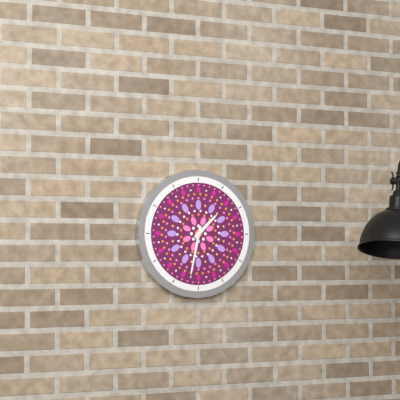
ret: {"hour": 1, "minute": 32}
